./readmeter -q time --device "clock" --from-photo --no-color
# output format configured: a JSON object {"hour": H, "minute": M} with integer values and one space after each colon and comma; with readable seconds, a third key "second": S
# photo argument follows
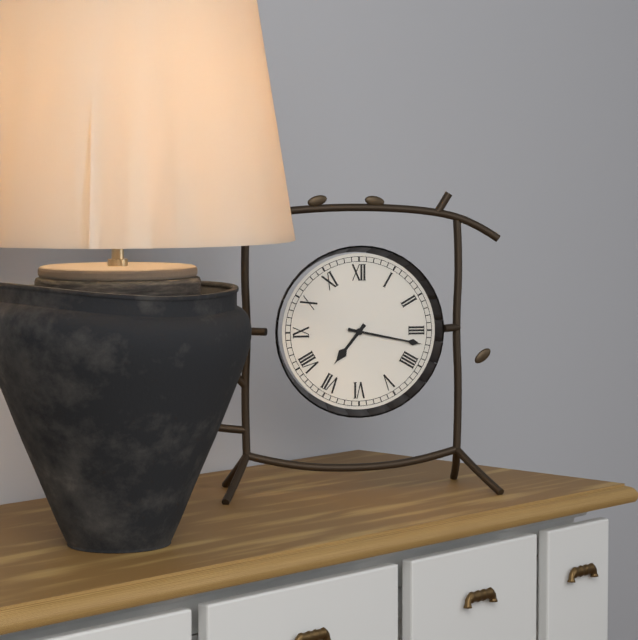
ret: {"hour": 7, "minute": 17}
